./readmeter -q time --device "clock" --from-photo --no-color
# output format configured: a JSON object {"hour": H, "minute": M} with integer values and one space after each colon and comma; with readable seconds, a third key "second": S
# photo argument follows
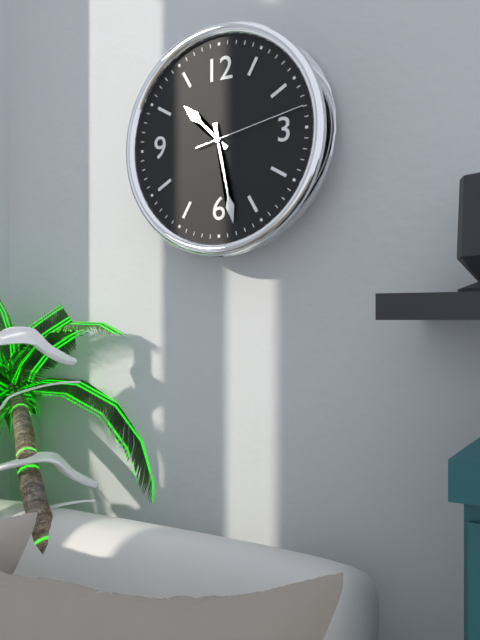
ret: {"hour": 10, "minute": 28, "second": 13}
